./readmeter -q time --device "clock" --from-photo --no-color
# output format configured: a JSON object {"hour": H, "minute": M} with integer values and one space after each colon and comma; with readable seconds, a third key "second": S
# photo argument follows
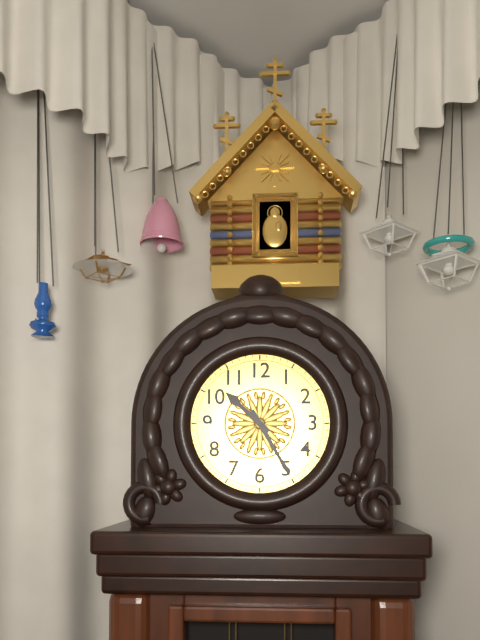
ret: {"hour": 10, "minute": 25}
